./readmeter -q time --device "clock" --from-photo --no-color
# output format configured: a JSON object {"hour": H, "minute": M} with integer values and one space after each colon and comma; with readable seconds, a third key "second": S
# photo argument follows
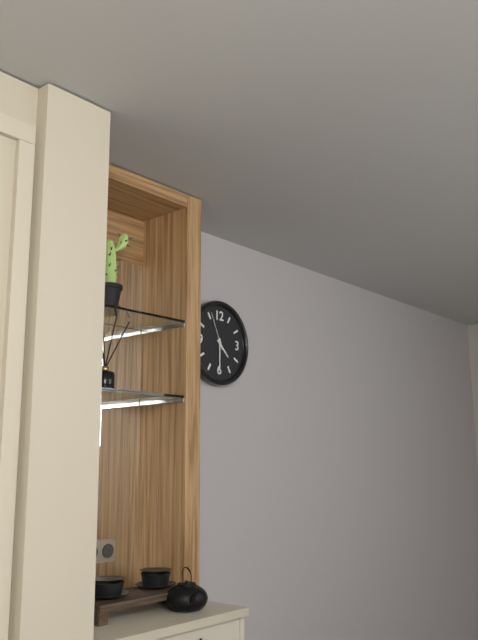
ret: {"hour": 4, "minute": 30}
